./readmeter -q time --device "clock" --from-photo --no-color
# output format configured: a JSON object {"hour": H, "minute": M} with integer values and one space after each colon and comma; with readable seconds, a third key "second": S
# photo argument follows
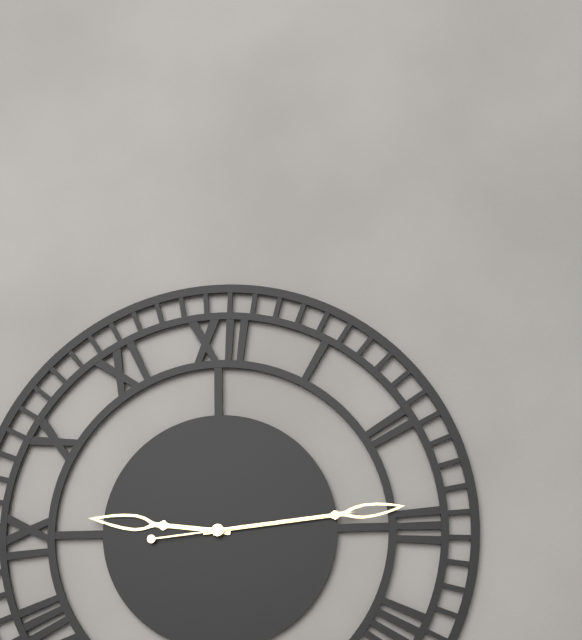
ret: {"hour": 9, "minute": 14, "second": 14}
